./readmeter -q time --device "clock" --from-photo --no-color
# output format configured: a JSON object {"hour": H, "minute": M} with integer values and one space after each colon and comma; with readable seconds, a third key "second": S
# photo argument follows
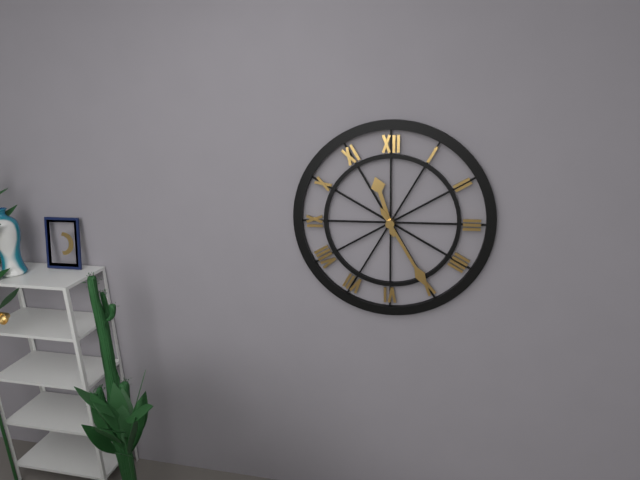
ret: {"hour": 11, "minute": 25}
